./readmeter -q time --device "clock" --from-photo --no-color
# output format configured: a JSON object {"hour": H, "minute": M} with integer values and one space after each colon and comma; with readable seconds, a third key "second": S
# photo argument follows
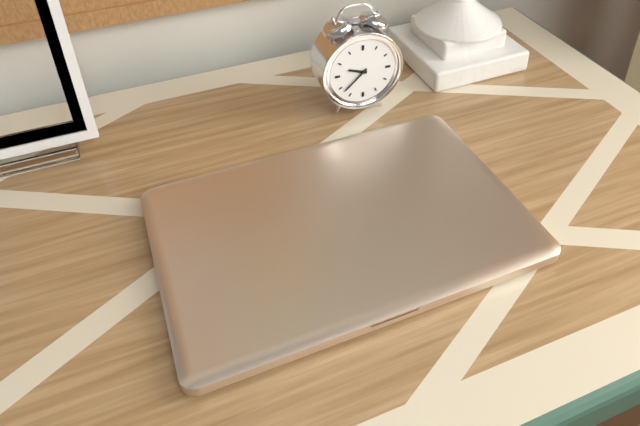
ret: {"hour": 9, "minute": 38}
